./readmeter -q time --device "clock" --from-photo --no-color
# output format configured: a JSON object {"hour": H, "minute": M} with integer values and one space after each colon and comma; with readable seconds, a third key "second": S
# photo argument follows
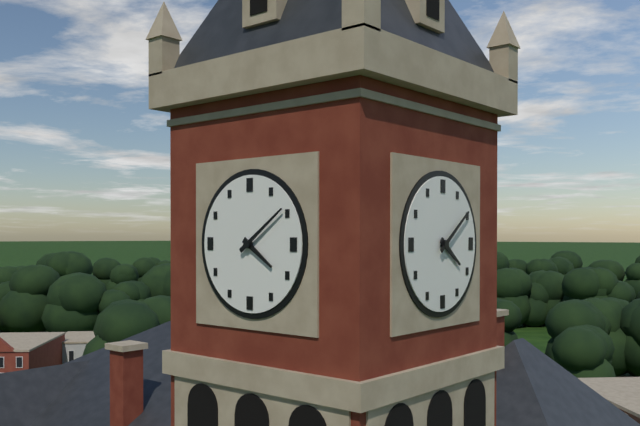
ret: {"hour": 4, "minute": 9}
